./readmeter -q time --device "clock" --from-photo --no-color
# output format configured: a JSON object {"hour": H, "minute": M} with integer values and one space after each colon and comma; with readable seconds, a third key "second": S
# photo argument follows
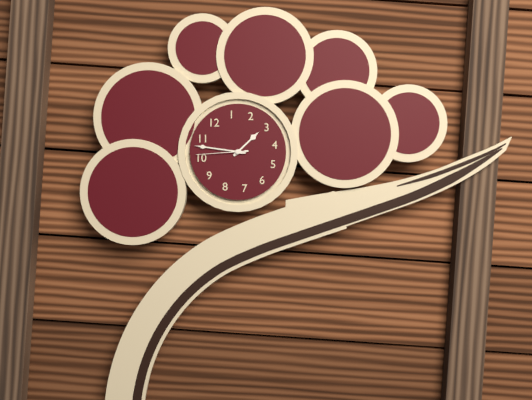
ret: {"hour": 2, "minute": 53, "second": 51}
